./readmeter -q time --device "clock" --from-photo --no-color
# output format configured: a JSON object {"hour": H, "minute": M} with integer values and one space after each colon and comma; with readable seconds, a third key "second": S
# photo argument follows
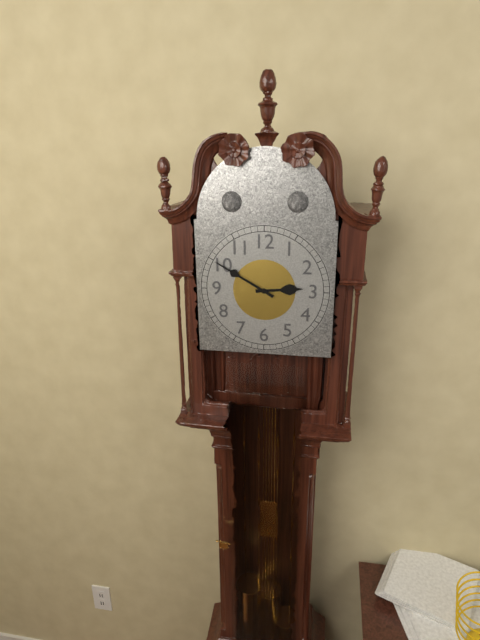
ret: {"hour": 2, "minute": 50}
